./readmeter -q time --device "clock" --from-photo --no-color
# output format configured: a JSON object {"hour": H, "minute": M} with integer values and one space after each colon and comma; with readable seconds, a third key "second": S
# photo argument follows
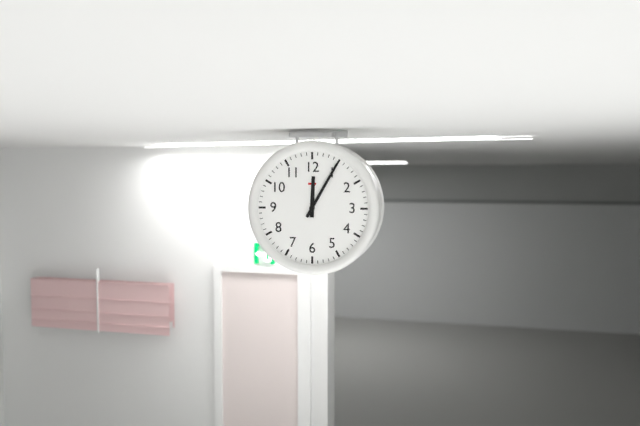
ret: {"hour": 12, "minute": 5}
